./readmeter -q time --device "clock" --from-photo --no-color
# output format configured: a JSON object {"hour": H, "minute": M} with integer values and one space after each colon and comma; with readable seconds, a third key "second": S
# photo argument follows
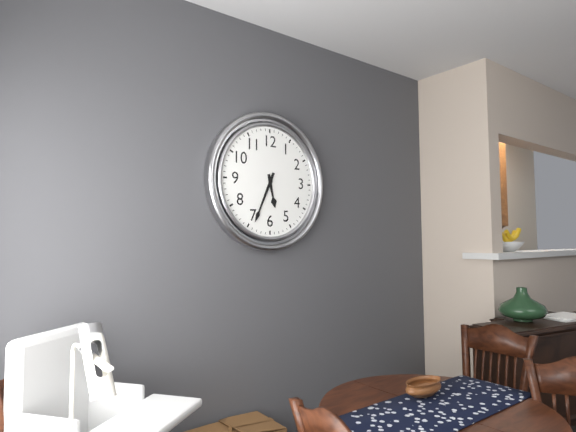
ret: {"hour": 5, "minute": 34}
